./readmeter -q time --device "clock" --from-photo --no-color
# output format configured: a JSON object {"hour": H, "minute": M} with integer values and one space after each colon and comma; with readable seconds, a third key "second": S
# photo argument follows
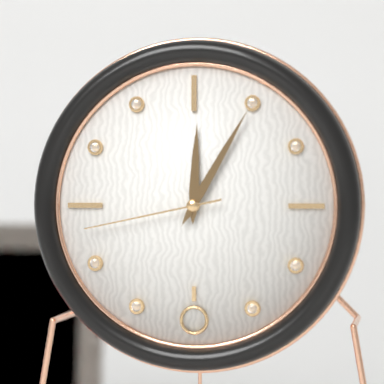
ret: {"hour": 12, "minute": 5, "second": 43}
